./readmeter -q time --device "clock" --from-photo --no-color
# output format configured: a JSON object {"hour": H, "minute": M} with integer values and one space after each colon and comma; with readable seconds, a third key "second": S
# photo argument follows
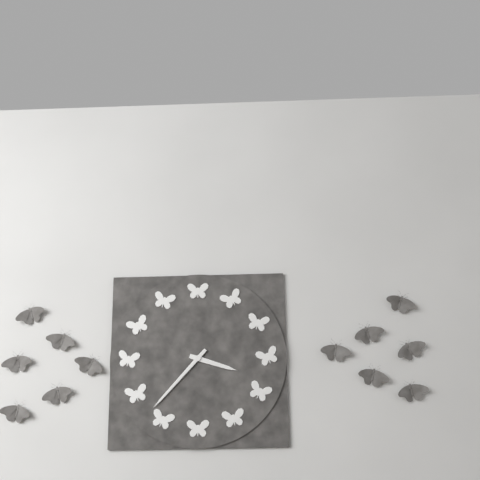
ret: {"hour": 3, "minute": 37}
